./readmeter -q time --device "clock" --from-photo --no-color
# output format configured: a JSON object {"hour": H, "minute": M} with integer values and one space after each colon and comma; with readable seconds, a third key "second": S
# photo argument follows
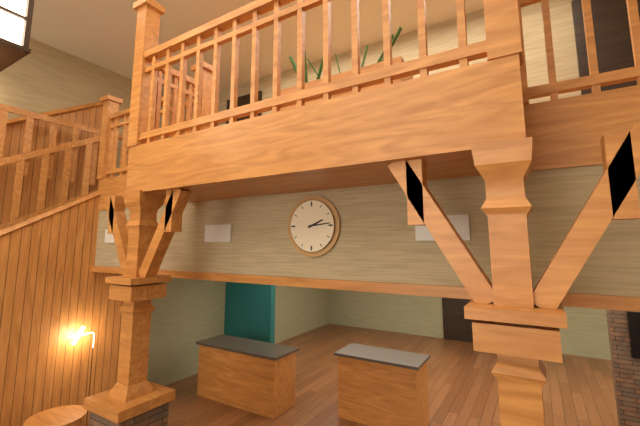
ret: {"hour": 2, "minute": 14}
